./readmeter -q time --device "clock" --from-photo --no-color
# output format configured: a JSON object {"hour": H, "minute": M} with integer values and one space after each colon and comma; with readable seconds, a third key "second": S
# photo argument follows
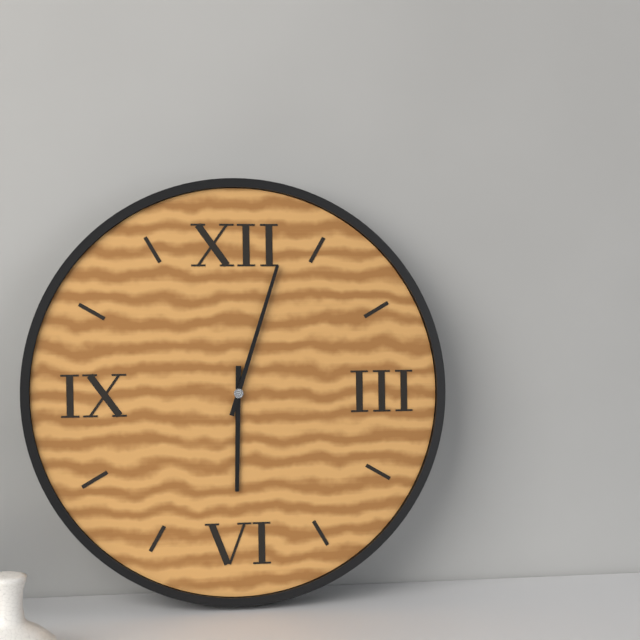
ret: {"hour": 6, "minute": 3}
